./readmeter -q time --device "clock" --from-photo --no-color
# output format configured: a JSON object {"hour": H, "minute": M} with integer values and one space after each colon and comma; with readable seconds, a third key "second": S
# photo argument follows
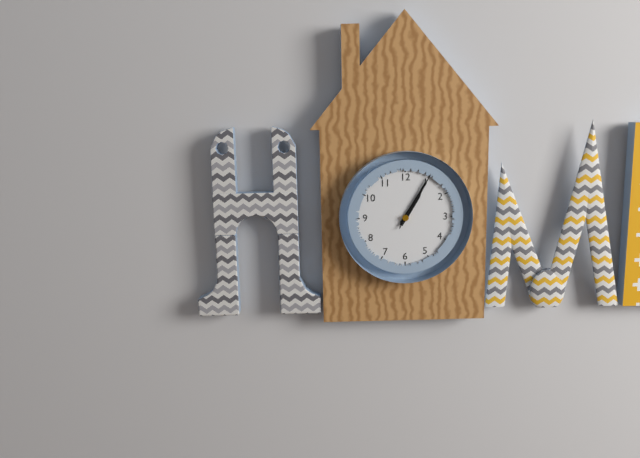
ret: {"hour": 1, "minute": 5, "second": 5}
